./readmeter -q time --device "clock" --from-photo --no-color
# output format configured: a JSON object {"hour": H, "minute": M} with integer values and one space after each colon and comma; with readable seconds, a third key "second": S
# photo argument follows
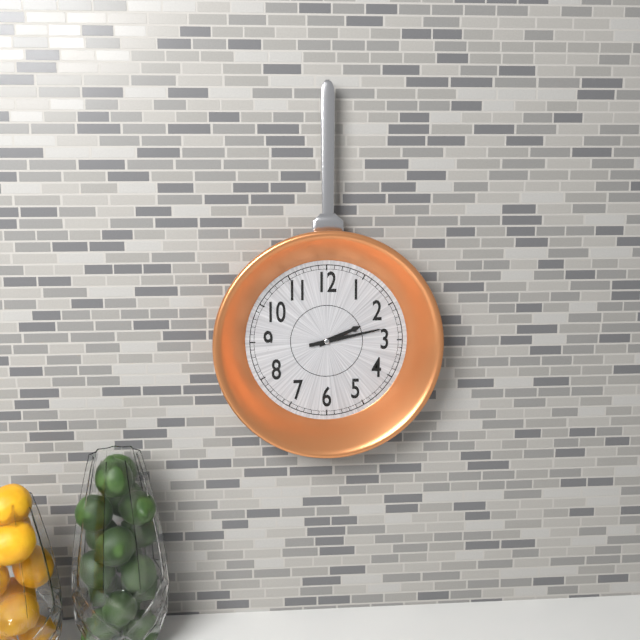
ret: {"hour": 2, "minute": 13}
